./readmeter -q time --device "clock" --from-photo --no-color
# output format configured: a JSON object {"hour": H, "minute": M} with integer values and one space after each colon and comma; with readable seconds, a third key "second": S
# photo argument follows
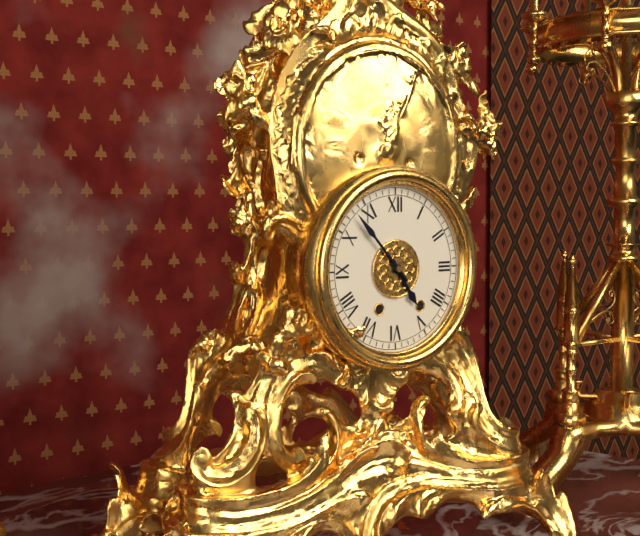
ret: {"hour": 4, "minute": 53}
